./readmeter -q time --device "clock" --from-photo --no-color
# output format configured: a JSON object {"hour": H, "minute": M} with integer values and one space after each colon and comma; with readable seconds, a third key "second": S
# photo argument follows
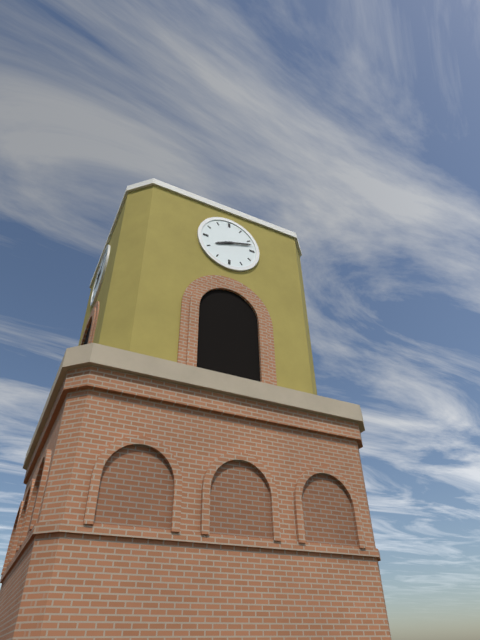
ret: {"hour": 8, "minute": 12}
